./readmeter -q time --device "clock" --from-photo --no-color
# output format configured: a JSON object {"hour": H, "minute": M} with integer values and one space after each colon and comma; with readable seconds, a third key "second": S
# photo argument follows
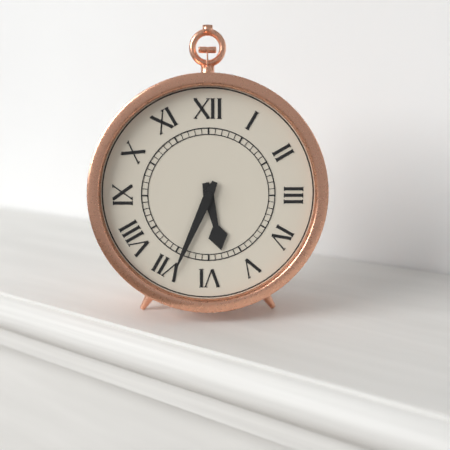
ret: {"hour": 5, "minute": 34}
